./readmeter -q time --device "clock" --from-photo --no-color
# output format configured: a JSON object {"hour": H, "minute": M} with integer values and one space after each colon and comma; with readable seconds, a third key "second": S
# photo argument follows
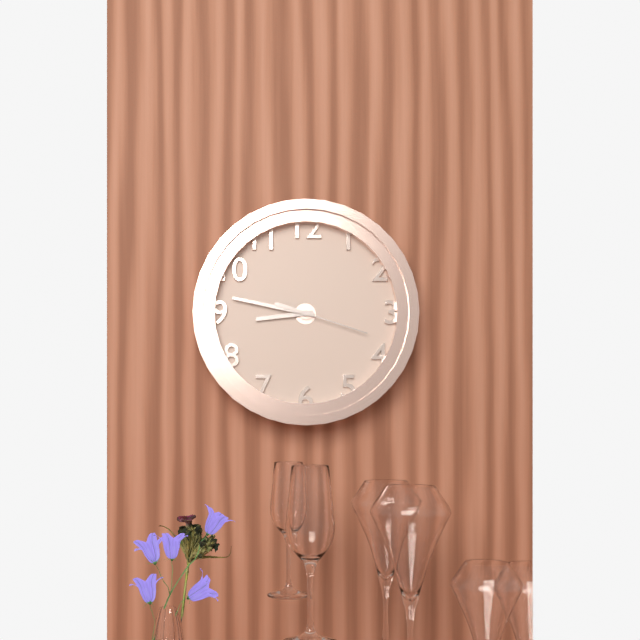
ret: {"hour": 8, "minute": 47, "second": 18}
